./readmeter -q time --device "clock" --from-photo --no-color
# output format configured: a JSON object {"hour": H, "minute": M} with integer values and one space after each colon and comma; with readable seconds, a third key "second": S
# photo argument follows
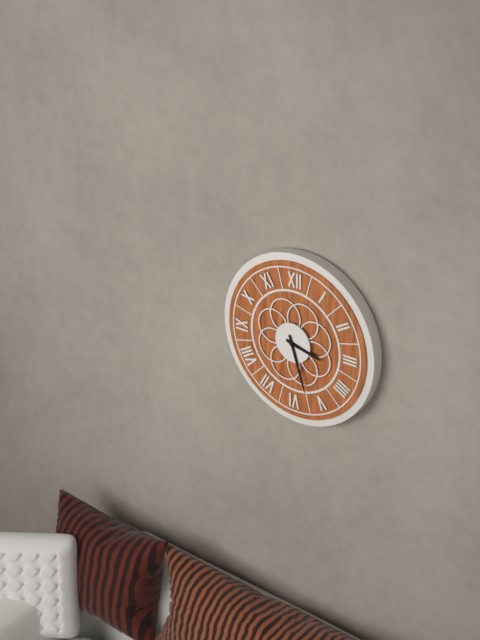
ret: {"hour": 3, "minute": 27}
